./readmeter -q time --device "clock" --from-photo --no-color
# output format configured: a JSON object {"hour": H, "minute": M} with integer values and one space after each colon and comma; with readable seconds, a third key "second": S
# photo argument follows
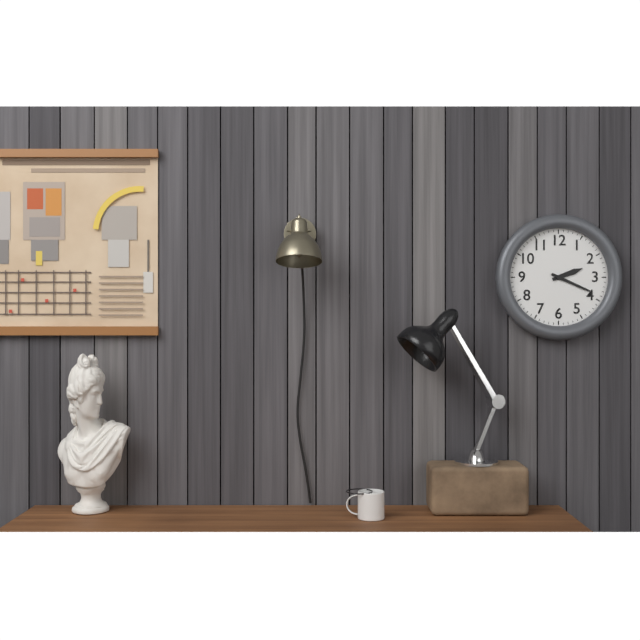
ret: {"hour": 2, "minute": 19}
